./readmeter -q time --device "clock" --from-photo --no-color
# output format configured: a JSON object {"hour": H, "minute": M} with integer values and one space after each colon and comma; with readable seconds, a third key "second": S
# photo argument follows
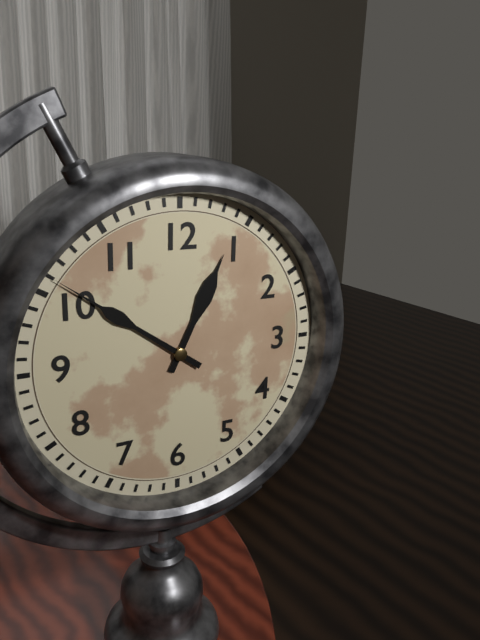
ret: {"hour": 12, "minute": 51}
